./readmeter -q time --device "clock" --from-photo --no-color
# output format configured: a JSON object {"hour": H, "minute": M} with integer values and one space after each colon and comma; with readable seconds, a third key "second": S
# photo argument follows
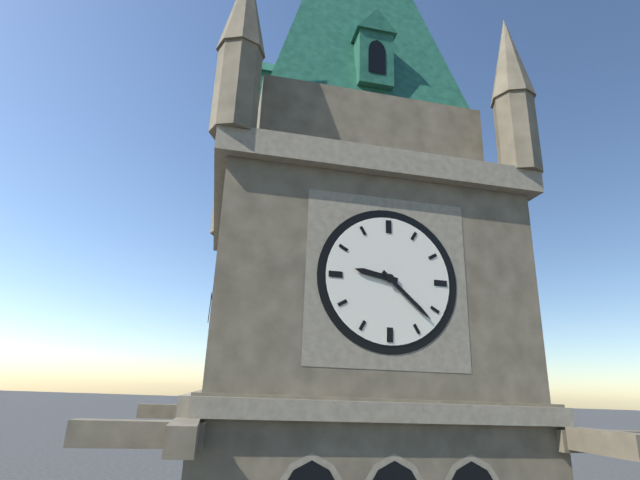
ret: {"hour": 9, "minute": 22}
